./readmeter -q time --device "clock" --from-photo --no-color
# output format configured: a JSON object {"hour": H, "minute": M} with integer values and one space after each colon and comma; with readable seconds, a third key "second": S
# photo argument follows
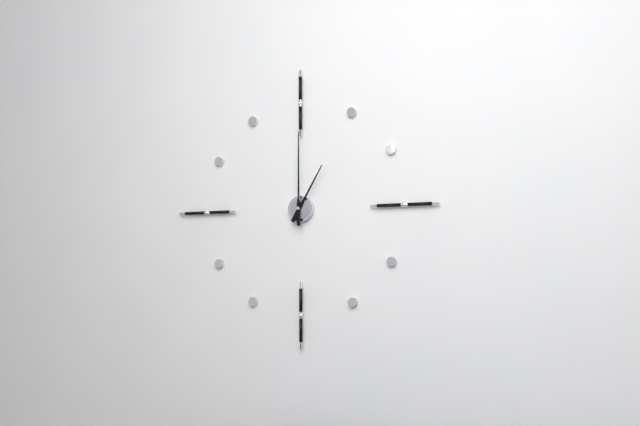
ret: {"hour": 1, "minute": 0}
